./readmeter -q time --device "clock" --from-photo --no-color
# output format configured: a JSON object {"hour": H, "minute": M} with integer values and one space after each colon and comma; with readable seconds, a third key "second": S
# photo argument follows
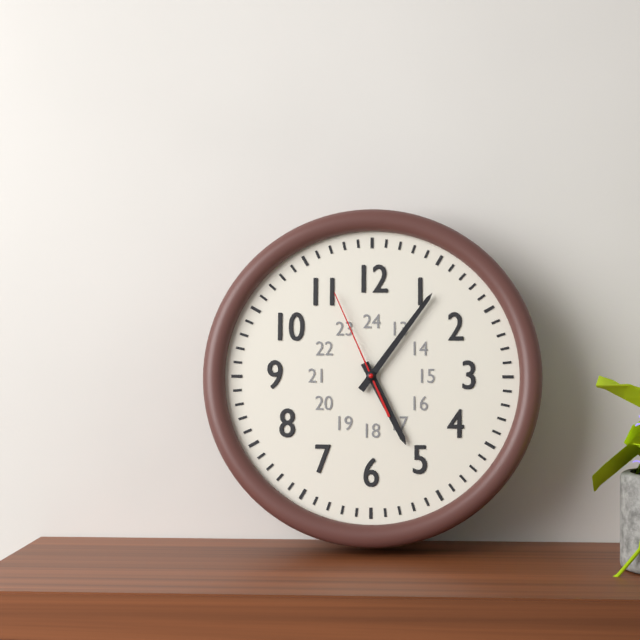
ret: {"hour": 5, "minute": 6, "second": 56}
